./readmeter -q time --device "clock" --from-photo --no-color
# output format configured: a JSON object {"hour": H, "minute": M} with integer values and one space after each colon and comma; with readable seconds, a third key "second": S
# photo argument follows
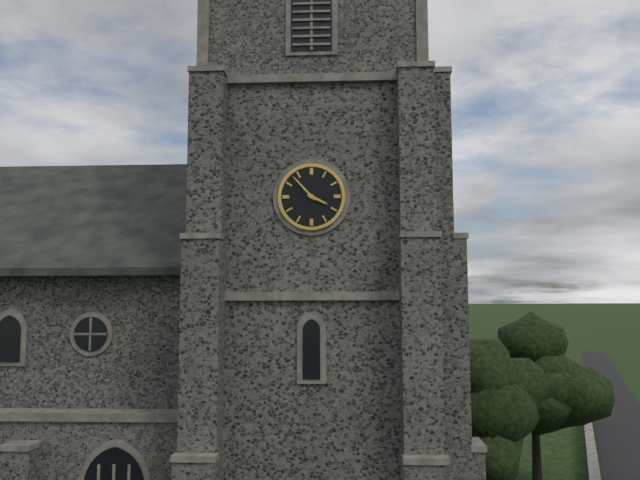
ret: {"hour": 3, "minute": 53}
